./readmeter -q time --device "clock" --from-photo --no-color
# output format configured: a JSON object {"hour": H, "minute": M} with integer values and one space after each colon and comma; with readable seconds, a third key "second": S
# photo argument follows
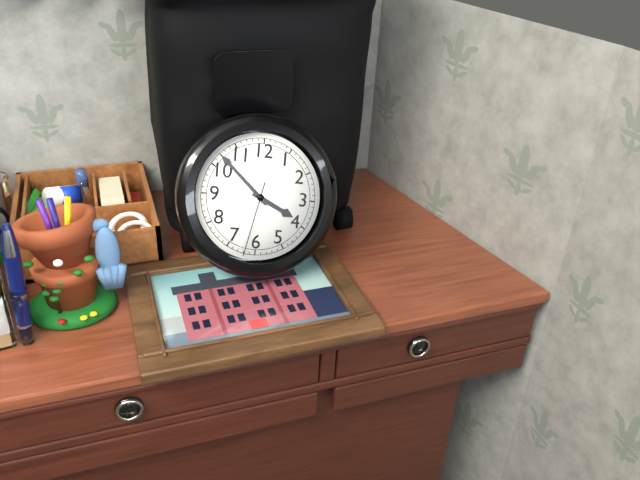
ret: {"hour": 3, "minute": 52, "second": 32}
